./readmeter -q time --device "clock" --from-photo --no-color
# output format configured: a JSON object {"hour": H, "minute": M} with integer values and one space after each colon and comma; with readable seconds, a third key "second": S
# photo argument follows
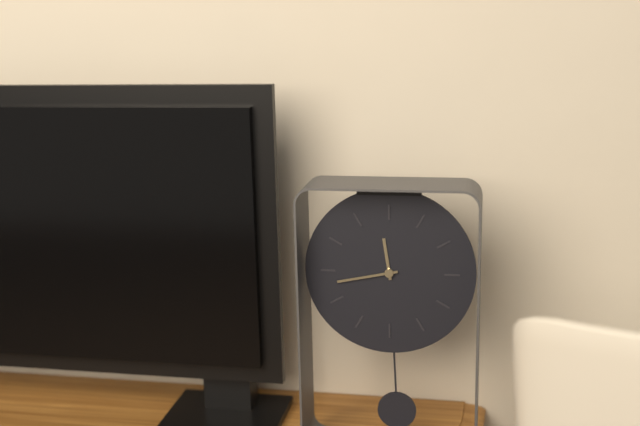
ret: {"hour": 11, "minute": 43}
